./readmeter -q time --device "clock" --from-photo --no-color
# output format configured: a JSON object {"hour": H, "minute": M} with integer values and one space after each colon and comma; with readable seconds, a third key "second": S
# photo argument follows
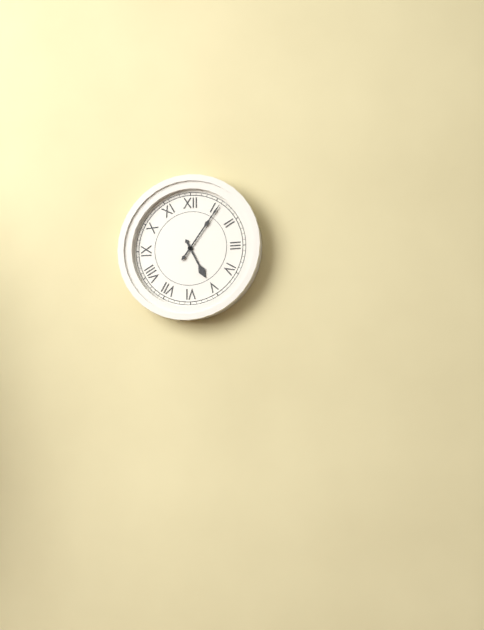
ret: {"hour": 5, "minute": 6}
